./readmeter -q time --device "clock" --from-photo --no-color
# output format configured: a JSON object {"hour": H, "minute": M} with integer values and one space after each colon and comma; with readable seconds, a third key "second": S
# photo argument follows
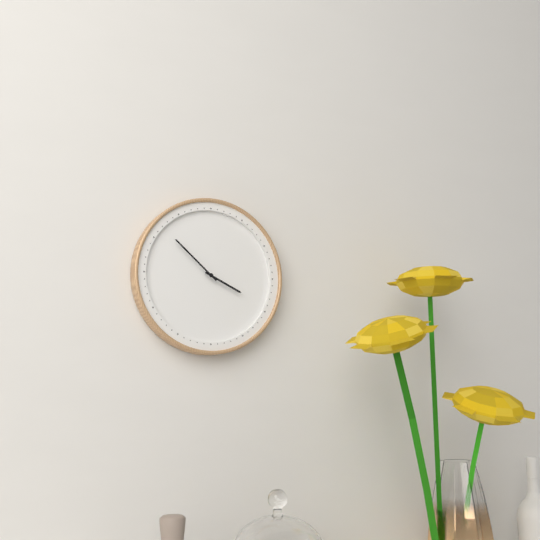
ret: {"hour": 3, "minute": 52}
